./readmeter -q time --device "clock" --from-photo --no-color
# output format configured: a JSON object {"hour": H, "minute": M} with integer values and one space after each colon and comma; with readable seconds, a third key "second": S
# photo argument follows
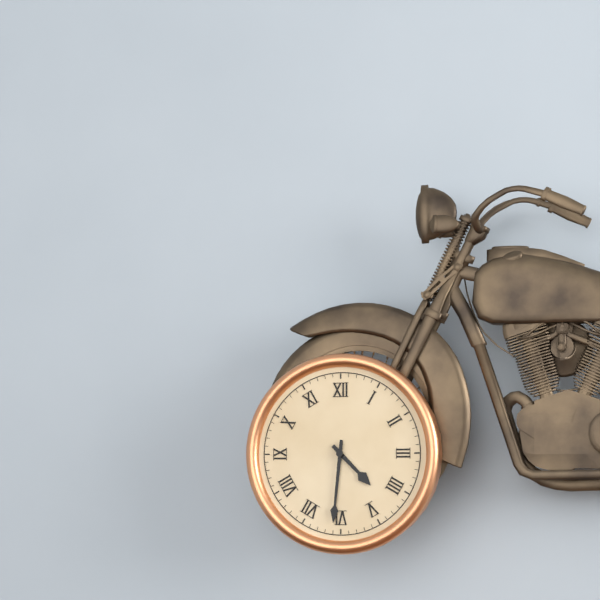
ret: {"hour": 4, "minute": 31}
